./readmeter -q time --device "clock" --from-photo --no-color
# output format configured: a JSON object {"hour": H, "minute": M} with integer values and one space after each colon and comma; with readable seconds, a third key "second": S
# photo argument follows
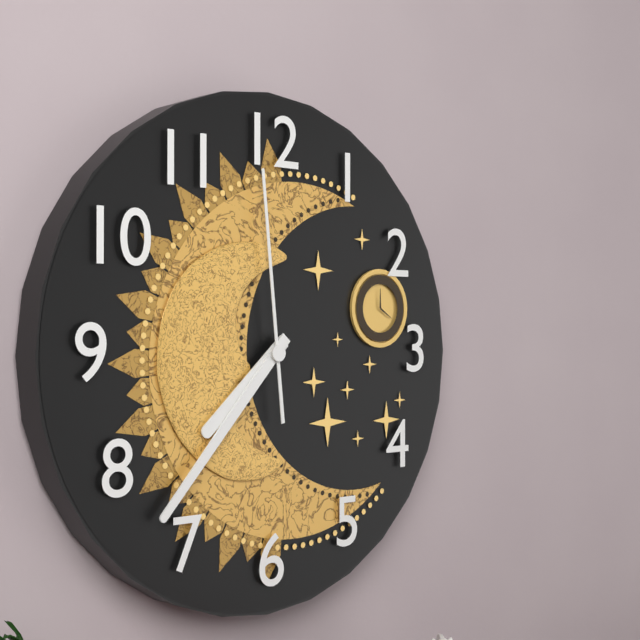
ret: {"hour": 7, "minute": 37, "second": 59}
